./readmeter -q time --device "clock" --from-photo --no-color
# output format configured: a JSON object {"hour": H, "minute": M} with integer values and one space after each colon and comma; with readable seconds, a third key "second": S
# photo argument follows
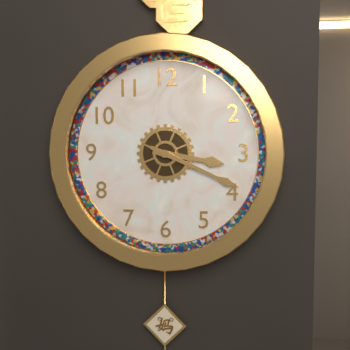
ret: {"hour": 3, "minute": 19}
